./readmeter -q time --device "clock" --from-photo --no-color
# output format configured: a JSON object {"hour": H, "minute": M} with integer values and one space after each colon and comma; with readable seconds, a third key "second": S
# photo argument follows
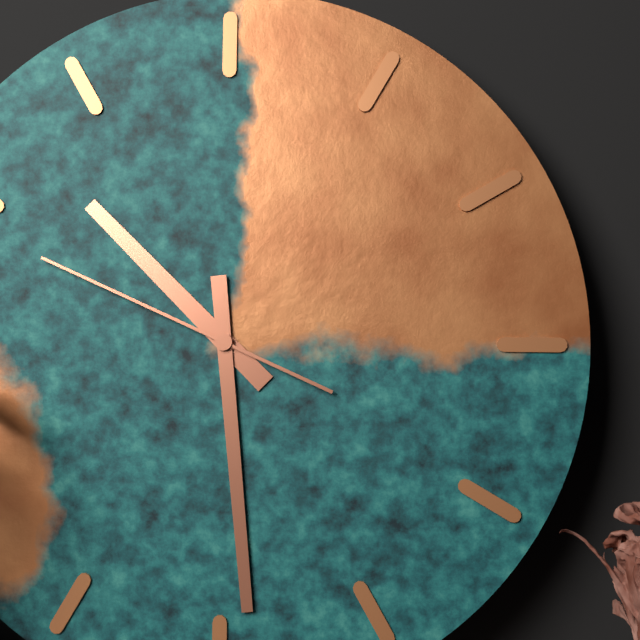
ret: {"hour": 10, "minute": 29, "second": 49}
